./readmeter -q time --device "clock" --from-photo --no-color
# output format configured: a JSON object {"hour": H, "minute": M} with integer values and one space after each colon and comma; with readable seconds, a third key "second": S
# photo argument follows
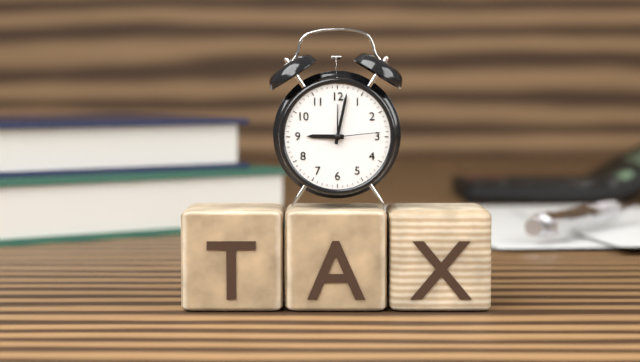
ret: {"hour": 9, "minute": 2, "second": 14}
